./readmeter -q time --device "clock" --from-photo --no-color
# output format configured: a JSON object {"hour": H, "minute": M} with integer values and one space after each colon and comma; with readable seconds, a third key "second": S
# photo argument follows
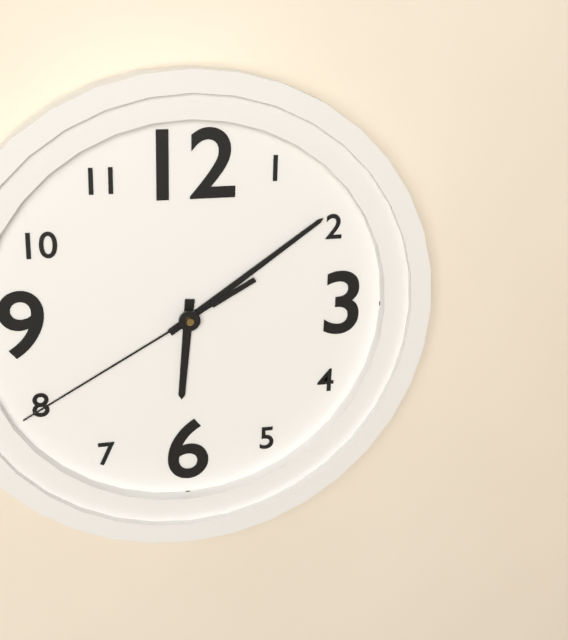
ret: {"hour": 6, "minute": 9, "second": 40}
